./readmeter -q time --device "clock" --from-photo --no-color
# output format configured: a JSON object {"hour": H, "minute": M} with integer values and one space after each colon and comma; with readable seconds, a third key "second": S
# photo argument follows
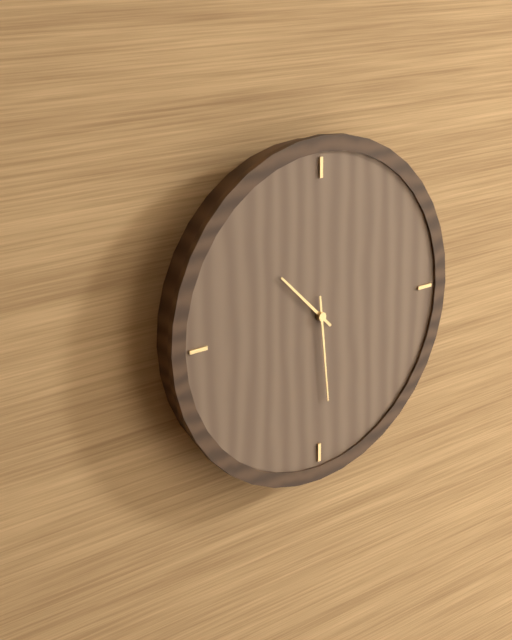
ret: {"hour": 10, "minute": 29}
